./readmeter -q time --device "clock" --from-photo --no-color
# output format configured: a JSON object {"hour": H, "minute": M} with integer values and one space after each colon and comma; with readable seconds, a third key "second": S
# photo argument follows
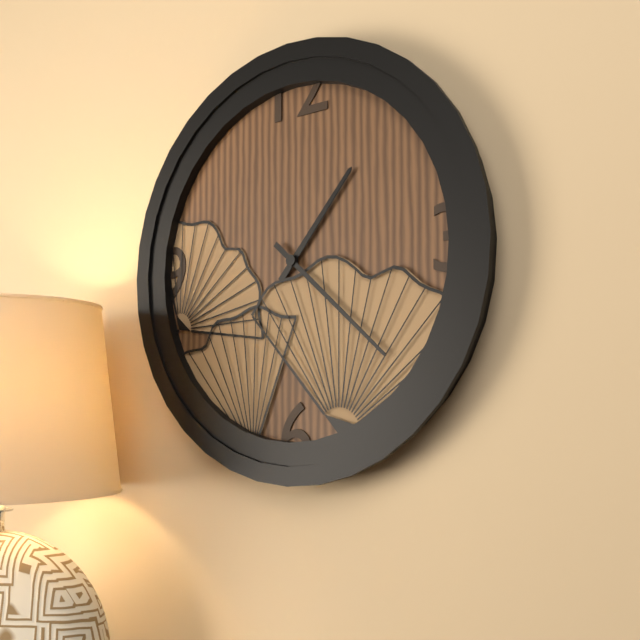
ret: {"hour": 1, "minute": 22}
